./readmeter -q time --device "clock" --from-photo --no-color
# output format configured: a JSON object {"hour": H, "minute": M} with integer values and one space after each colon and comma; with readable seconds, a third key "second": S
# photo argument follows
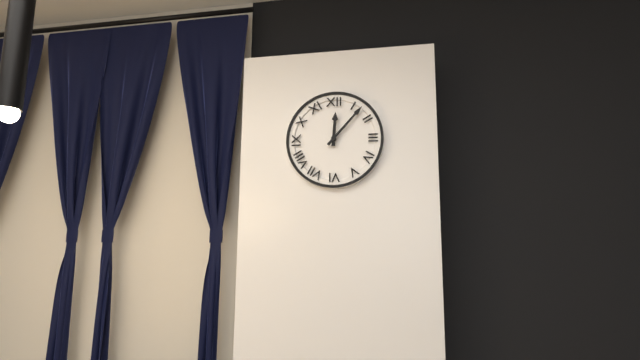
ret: {"hour": 12, "minute": 7}
